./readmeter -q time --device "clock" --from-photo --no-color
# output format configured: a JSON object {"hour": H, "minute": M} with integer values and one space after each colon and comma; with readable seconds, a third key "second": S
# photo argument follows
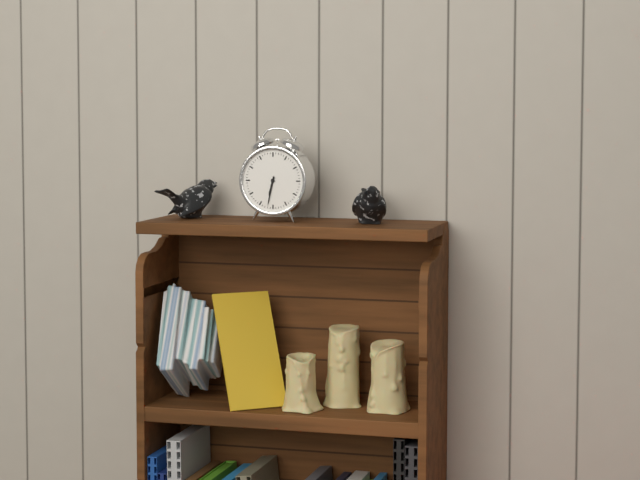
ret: {"hour": 6, "minute": 32}
